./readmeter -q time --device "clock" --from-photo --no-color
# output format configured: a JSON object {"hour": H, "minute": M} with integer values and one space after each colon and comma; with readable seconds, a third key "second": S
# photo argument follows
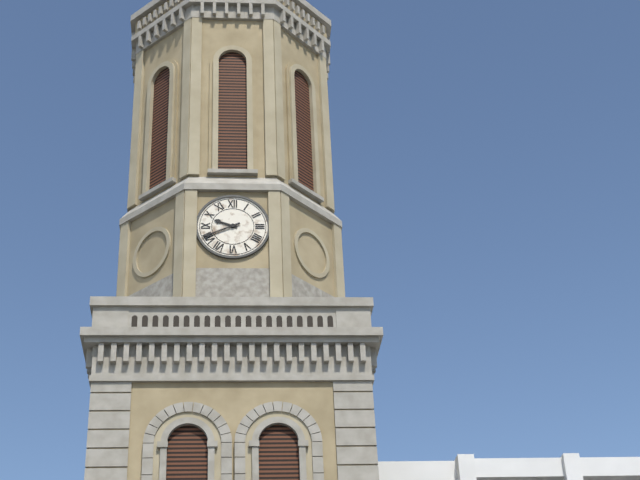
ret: {"hour": 9, "minute": 41}
